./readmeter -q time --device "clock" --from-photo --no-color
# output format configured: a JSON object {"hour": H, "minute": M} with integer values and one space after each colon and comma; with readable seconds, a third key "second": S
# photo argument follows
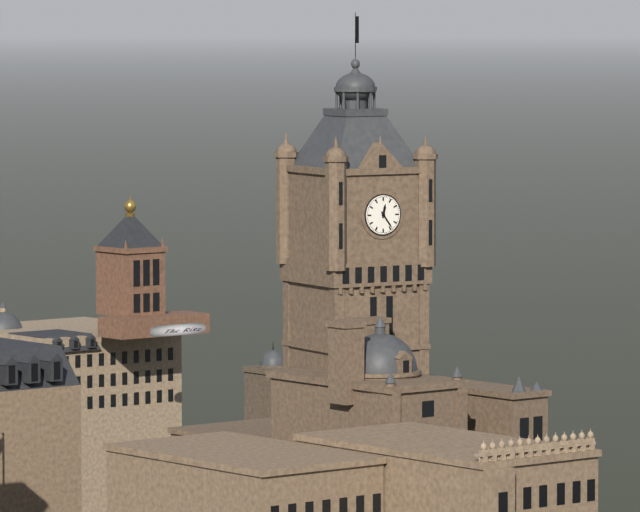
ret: {"hour": 12, "minute": 24}
